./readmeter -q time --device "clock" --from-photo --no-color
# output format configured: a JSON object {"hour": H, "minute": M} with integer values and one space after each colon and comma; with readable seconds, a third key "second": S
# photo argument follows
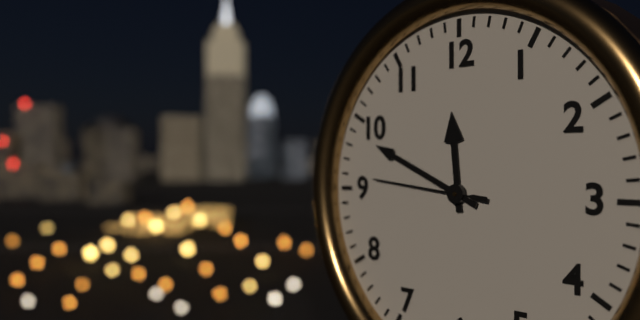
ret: {"hour": 11, "minute": 49, "second": 46}
